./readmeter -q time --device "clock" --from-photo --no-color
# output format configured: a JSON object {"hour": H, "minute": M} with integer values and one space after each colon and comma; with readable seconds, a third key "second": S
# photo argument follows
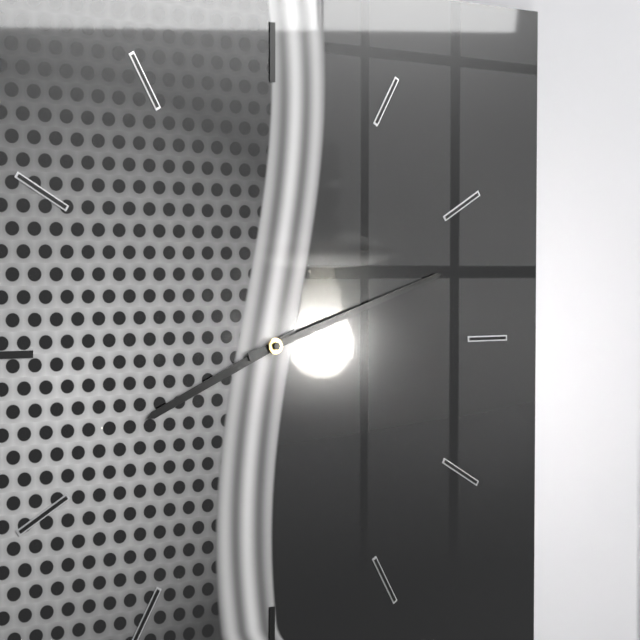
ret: {"hour": 8, "minute": 12}
